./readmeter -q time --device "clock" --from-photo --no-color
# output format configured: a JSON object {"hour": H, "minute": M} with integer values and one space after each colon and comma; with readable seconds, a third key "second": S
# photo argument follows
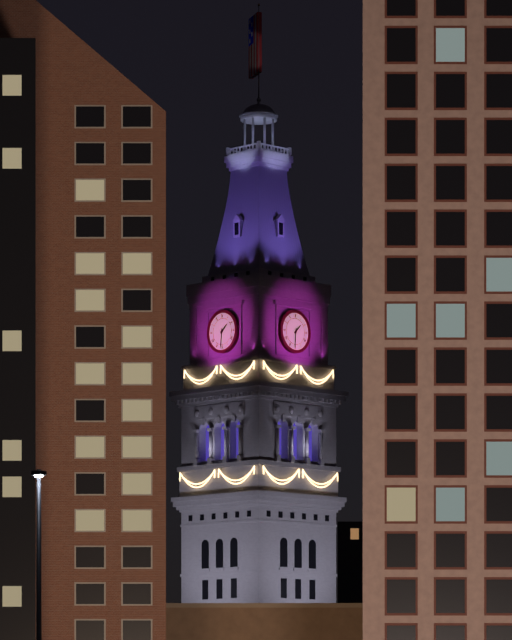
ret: {"hour": 1, "minute": 31}
